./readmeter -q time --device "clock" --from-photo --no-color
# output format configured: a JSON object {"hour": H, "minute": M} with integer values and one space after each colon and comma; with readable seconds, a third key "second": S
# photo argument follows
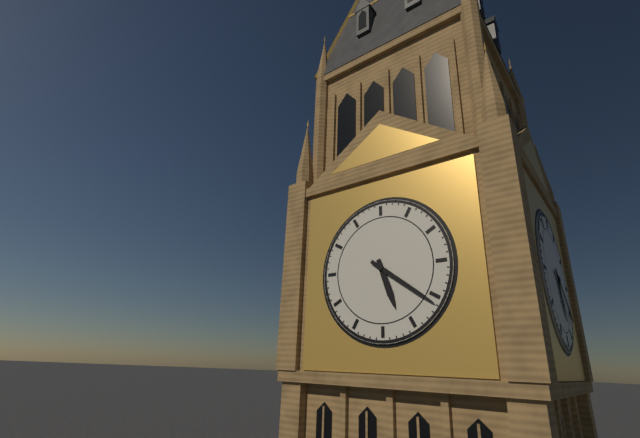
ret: {"hour": 5, "minute": 21}
